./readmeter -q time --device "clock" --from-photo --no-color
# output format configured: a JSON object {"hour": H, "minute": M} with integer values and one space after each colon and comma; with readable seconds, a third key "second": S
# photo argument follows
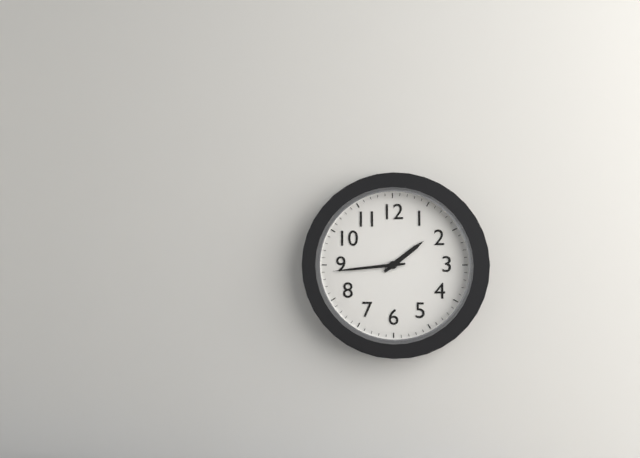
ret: {"hour": 1, "minute": 44}
